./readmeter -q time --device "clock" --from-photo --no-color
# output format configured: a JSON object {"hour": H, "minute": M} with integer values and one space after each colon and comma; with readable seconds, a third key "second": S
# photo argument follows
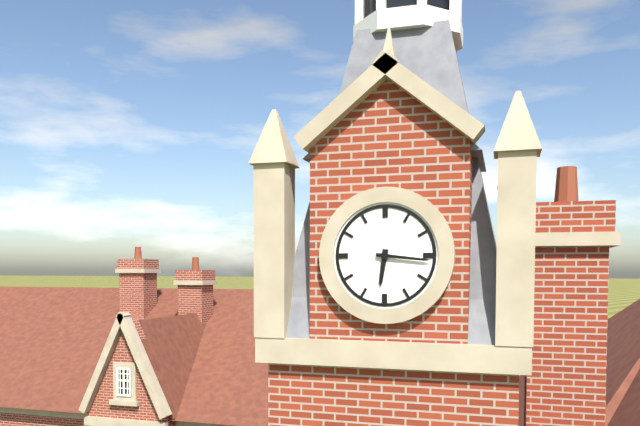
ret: {"hour": 6, "minute": 16}
